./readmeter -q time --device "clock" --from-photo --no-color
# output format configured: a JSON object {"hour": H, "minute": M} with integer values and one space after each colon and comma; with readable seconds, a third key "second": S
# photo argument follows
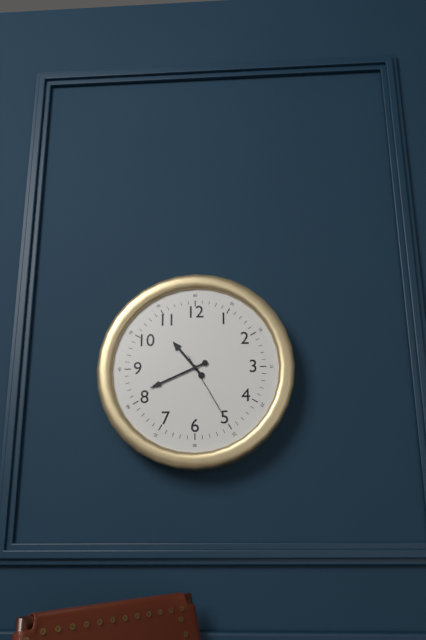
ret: {"hour": 10, "minute": 41, "second": 25}
